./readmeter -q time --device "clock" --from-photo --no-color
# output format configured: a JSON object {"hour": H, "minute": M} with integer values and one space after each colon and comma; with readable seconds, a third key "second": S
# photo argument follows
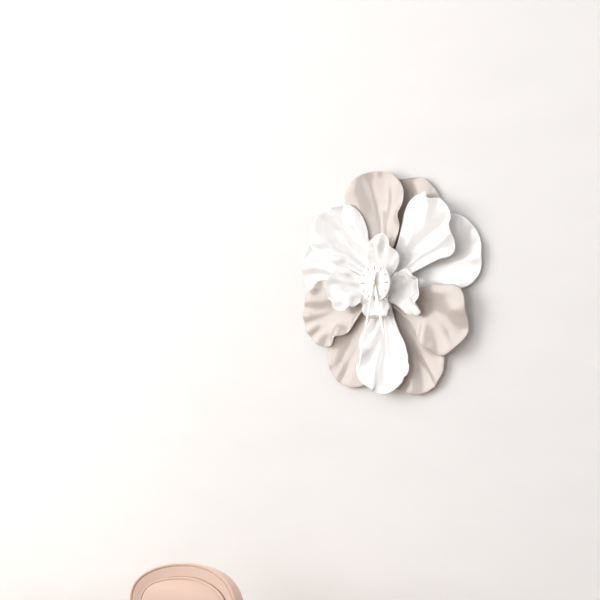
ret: {"hour": 5, "minute": 32}
